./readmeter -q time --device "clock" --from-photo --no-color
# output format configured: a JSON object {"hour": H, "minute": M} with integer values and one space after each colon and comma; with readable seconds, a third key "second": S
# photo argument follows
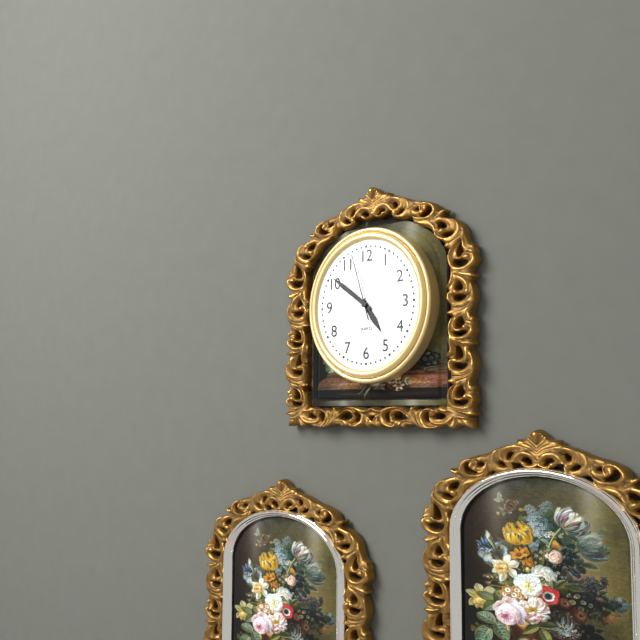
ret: {"hour": 4, "minute": 51, "second": 57}
